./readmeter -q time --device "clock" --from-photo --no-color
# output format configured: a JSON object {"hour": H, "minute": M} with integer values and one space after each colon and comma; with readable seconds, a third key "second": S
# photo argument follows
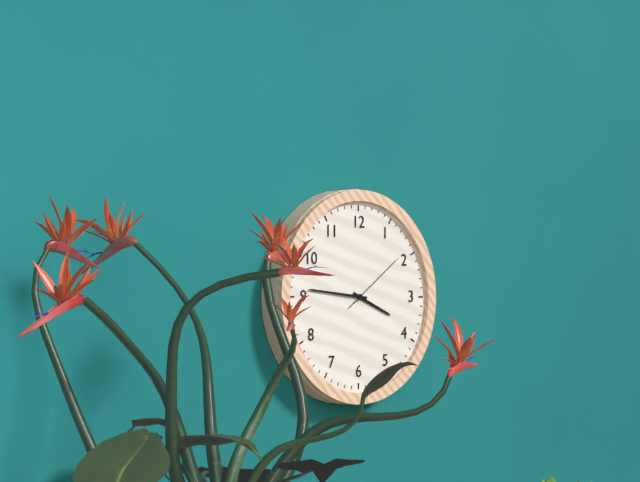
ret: {"hour": 3, "minute": 46, "second": 9}
